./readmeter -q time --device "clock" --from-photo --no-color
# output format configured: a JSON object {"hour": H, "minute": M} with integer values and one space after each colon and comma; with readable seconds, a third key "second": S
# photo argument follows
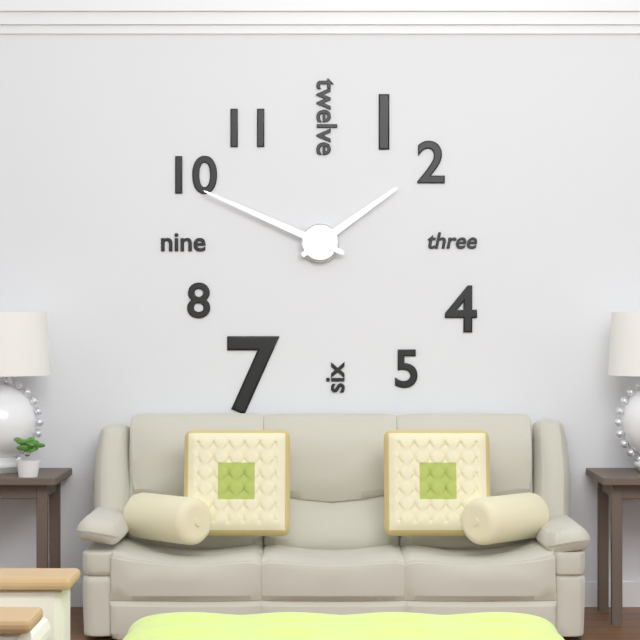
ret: {"hour": 1, "minute": 49}
